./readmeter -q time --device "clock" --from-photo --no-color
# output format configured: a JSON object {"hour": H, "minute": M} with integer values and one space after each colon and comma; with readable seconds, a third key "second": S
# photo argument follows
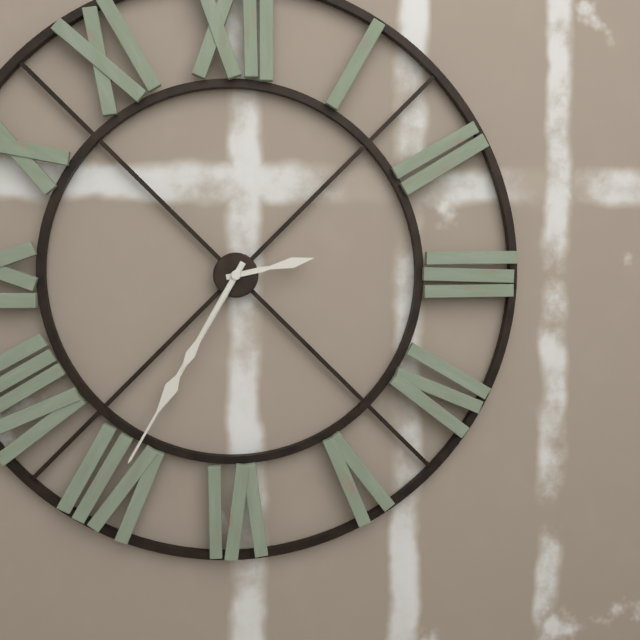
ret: {"hour": 2, "minute": 35, "second": 35}
